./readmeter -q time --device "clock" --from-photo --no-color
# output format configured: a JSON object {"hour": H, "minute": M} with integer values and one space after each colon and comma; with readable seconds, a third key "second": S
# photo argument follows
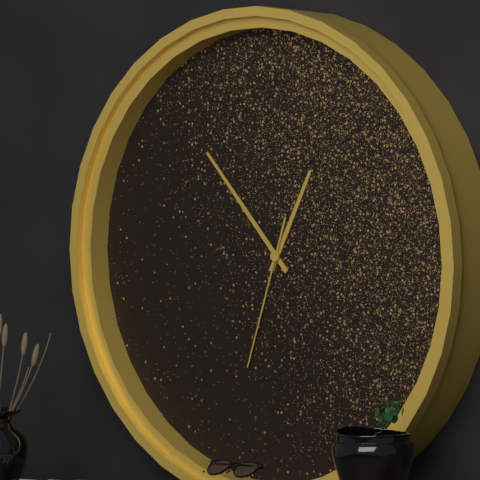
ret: {"hour": 12, "minute": 53, "second": 33}
